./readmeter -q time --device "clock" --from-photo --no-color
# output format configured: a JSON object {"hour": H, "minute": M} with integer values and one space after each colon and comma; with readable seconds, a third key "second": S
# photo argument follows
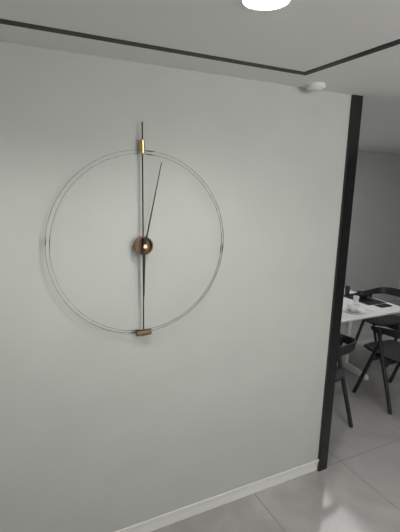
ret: {"hour": 6, "minute": 2}
